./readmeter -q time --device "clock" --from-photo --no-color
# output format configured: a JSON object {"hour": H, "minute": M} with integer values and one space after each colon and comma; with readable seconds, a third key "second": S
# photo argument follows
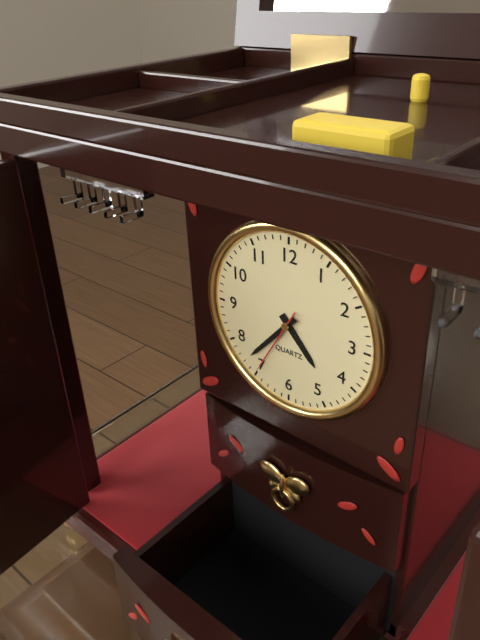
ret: {"hour": 4, "minute": 37, "second": 35}
